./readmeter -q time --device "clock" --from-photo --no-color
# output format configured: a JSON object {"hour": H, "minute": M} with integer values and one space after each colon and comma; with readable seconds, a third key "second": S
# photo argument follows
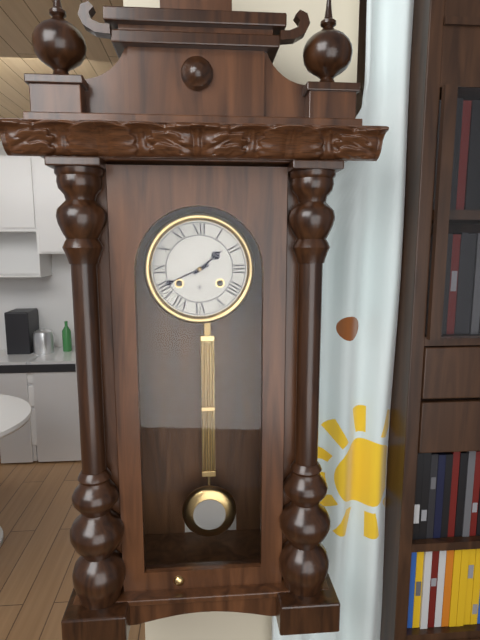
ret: {"hour": 1, "minute": 41}
